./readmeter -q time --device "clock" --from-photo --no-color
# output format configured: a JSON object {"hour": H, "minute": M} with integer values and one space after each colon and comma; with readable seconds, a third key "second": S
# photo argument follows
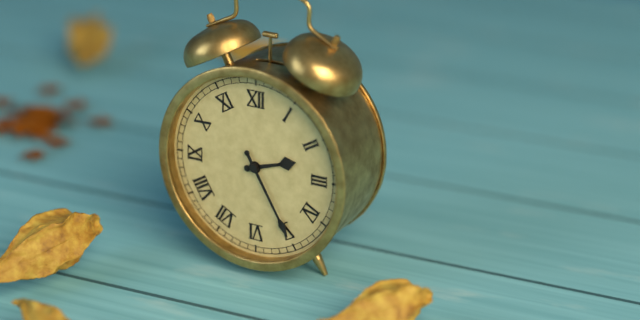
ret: {"hour": 2, "minute": 25}
